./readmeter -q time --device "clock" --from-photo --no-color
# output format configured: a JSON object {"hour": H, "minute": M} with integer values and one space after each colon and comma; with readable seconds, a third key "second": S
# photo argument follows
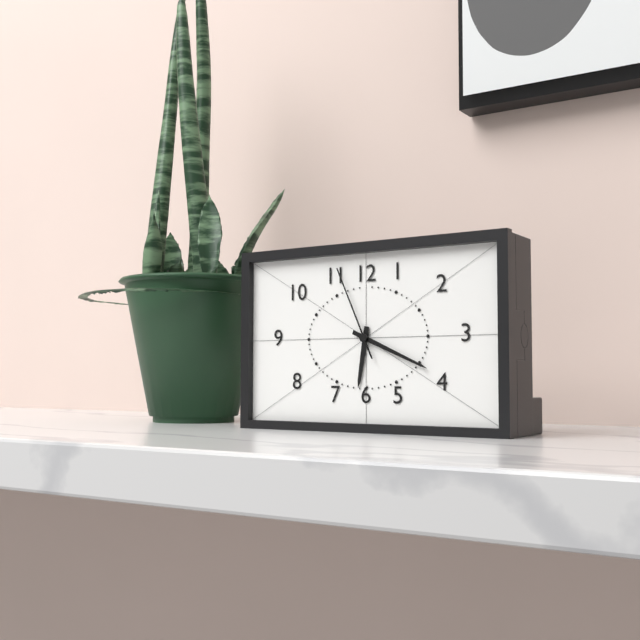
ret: {"hour": 6, "minute": 19, "second": 56}
